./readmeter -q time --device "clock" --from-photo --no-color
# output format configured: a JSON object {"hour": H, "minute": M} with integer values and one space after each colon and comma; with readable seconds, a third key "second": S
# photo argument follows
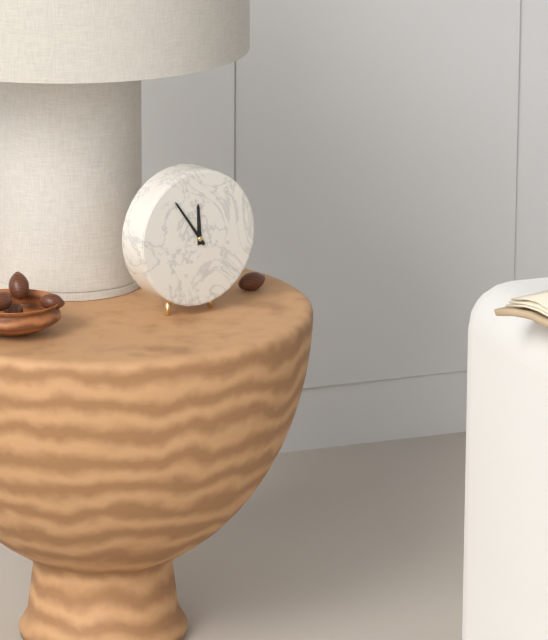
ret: {"hour": 11, "minute": 54}
